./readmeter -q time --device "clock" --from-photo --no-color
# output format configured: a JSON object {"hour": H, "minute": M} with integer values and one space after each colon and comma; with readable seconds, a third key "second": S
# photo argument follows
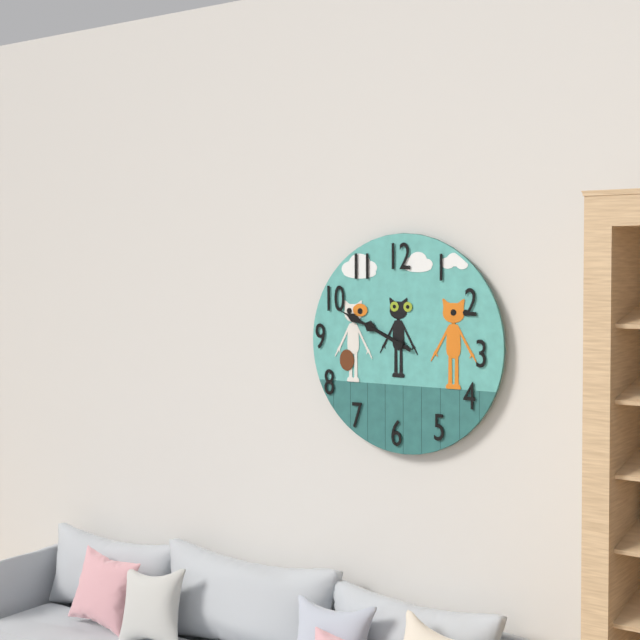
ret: {"hour": 9, "minute": 49}
